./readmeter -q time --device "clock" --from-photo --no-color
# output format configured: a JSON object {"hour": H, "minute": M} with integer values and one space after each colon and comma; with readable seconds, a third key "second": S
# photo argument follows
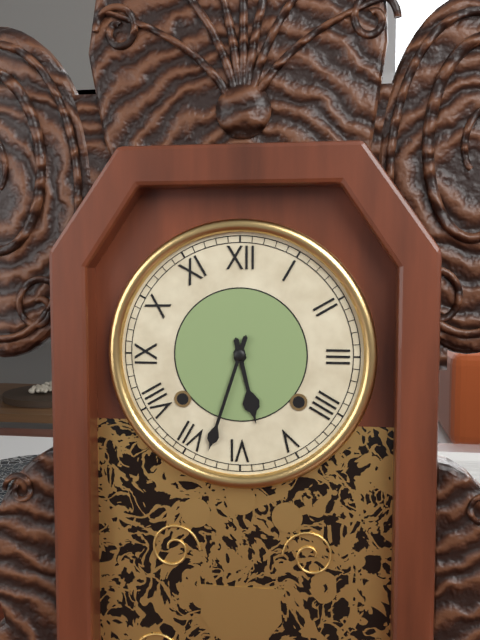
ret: {"hour": 5, "minute": 33}
